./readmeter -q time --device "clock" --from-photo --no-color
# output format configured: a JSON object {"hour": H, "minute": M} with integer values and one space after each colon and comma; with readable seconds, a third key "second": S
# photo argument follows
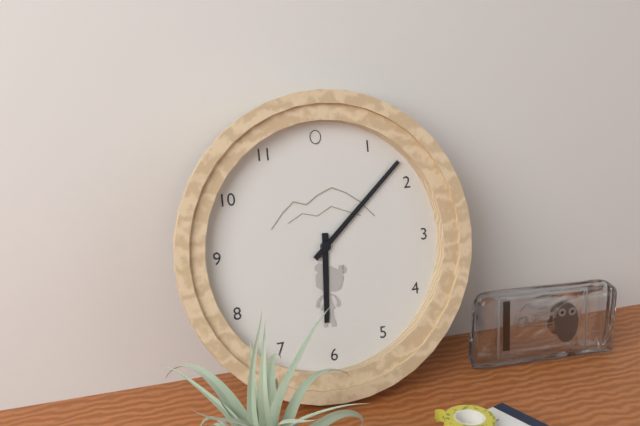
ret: {"hour": 6, "minute": 8}
